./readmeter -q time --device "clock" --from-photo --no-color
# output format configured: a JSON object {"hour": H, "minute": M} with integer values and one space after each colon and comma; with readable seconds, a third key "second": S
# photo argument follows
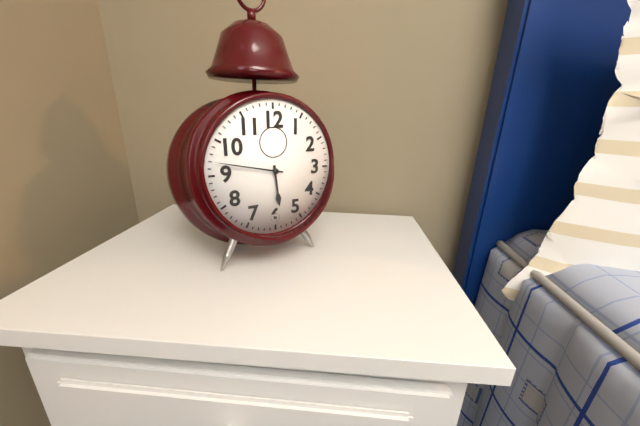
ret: {"hour": 5, "minute": 47}
